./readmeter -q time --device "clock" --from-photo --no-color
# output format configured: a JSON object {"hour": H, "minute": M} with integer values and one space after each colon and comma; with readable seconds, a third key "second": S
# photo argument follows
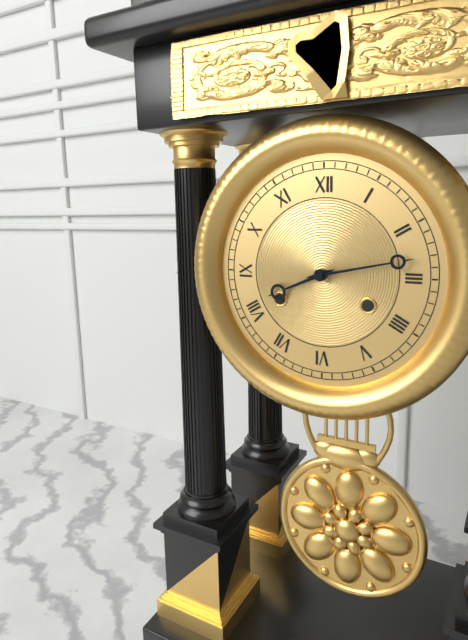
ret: {"hour": 8, "minute": 13}
